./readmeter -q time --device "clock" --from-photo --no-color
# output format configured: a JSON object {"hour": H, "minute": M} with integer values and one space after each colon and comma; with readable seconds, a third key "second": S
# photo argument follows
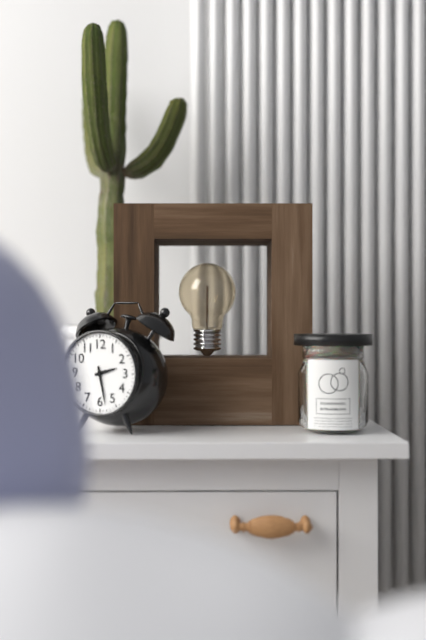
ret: {"hour": 2, "minute": 28}
